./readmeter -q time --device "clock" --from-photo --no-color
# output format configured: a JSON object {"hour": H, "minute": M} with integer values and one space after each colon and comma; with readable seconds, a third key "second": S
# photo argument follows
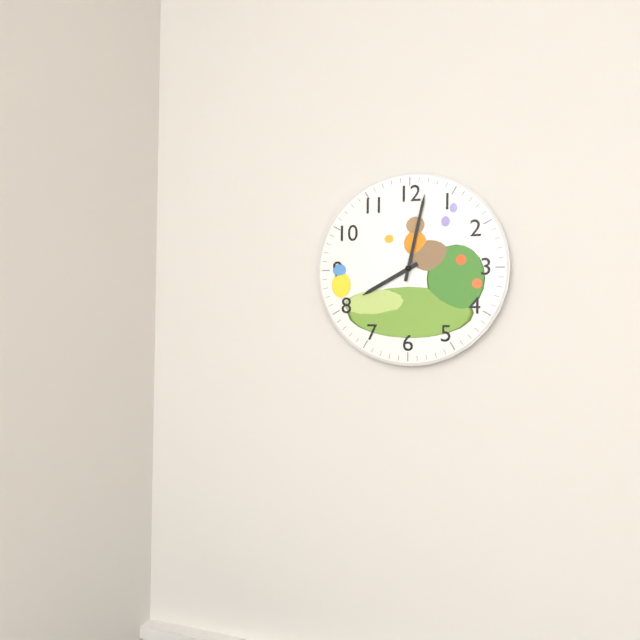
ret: {"hour": 8, "minute": 2}
